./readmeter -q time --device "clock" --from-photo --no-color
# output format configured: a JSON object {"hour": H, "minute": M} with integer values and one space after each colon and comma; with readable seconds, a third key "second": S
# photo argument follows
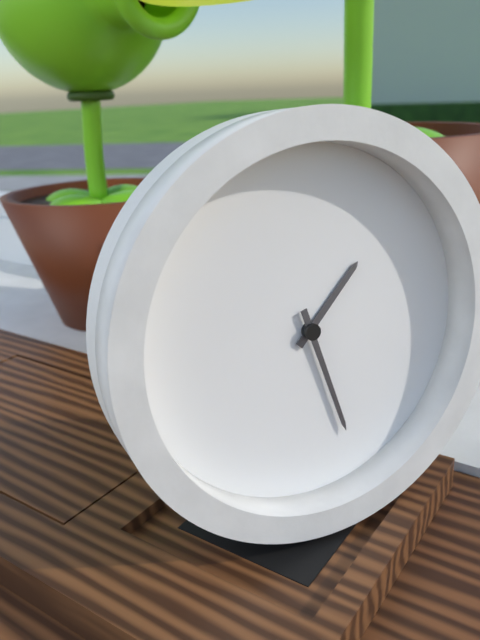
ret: {"hour": 1, "minute": 27}
